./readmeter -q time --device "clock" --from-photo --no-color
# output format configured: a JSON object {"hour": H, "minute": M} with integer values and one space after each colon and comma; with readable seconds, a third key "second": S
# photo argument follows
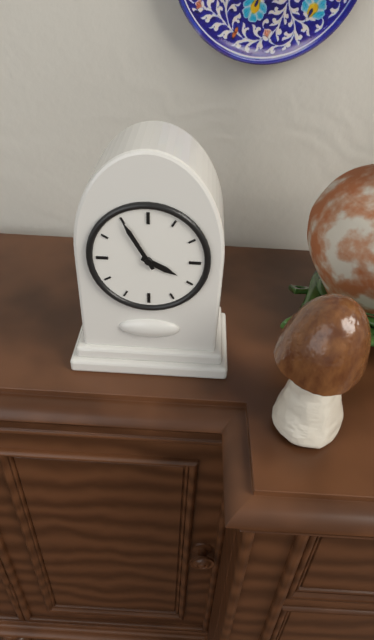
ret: {"hour": 3, "minute": 55}
